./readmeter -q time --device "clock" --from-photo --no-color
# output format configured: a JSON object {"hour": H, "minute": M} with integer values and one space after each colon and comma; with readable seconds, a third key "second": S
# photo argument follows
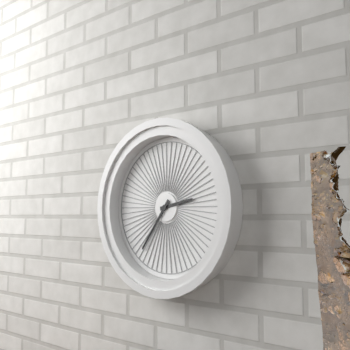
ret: {"hour": 2, "minute": 36}
